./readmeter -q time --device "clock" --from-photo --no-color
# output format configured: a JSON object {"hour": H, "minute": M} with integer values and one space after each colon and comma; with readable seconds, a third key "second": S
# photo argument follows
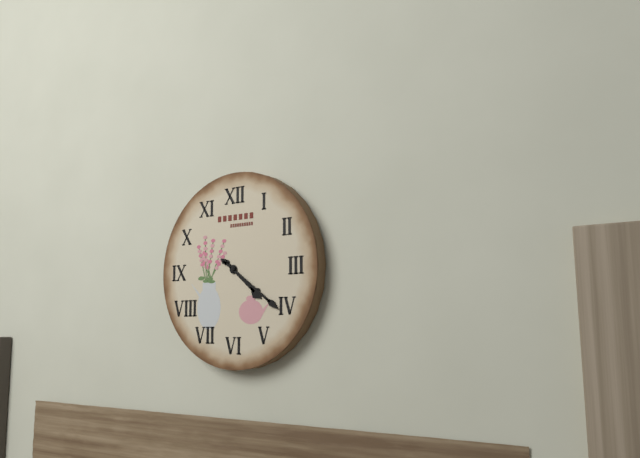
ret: {"hour": 4, "minute": 21}
